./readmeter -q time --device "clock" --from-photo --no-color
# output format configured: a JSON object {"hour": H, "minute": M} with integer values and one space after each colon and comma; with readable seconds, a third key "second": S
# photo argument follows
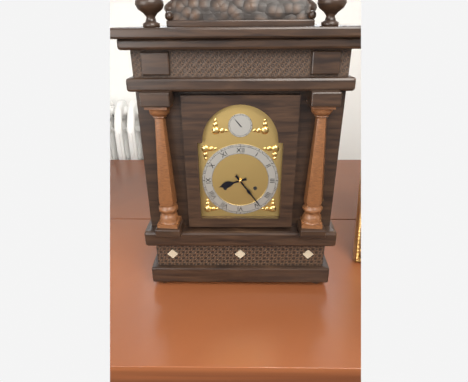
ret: {"hour": 8, "minute": 24}
